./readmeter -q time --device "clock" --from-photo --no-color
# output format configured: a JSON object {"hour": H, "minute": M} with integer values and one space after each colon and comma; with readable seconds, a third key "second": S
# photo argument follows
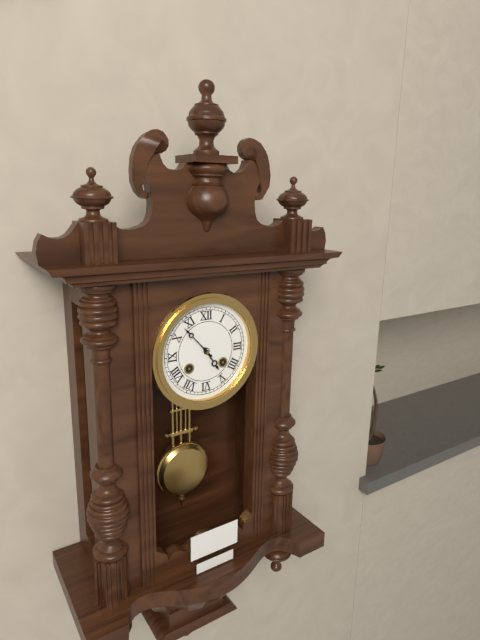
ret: {"hour": 4, "minute": 53}
